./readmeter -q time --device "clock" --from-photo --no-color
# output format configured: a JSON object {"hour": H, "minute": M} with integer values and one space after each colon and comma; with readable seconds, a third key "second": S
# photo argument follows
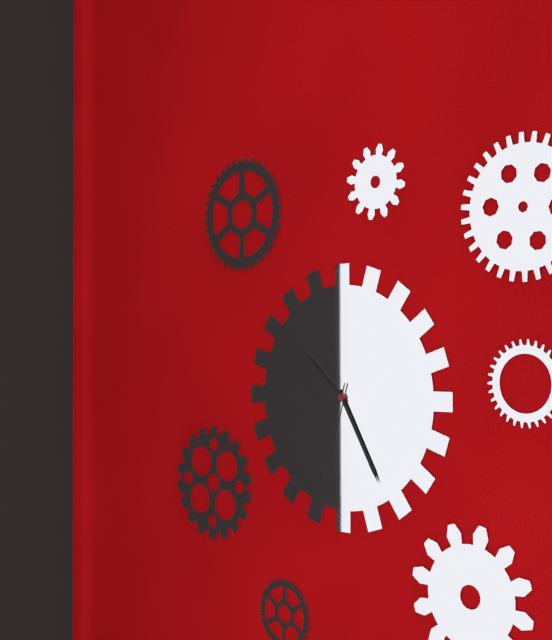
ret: {"hour": 10, "minute": 25, "second": 33}
